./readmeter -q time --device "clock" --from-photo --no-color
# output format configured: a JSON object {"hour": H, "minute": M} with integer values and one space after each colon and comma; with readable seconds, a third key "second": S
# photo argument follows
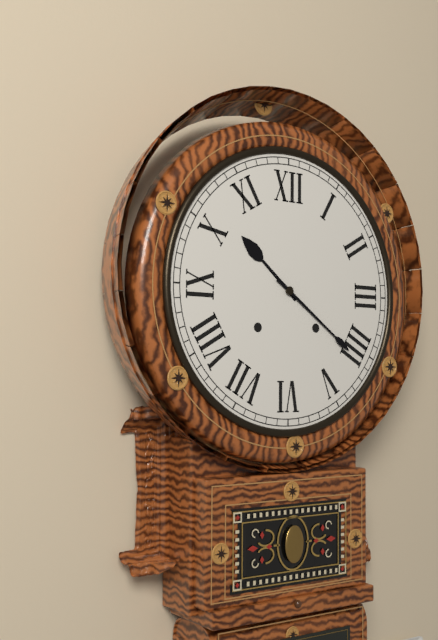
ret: {"hour": 10, "minute": 21}
